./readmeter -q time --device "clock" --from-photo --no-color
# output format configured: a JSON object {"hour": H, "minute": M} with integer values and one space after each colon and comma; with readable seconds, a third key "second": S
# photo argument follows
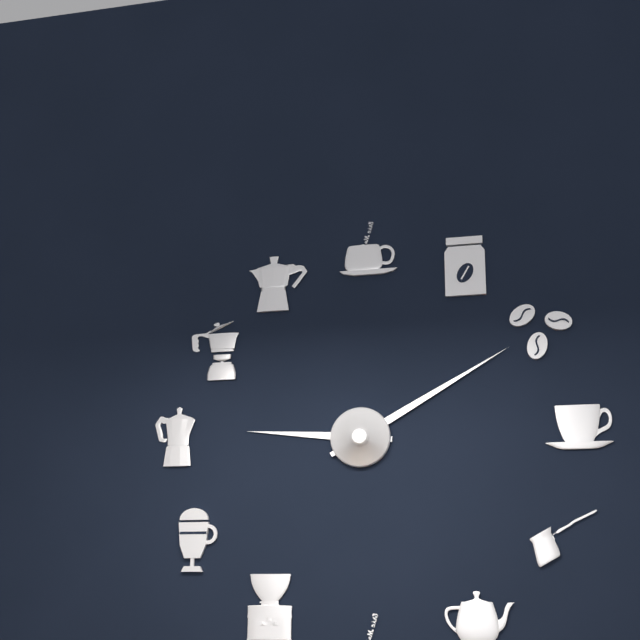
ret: {"hour": 9, "minute": 10}
